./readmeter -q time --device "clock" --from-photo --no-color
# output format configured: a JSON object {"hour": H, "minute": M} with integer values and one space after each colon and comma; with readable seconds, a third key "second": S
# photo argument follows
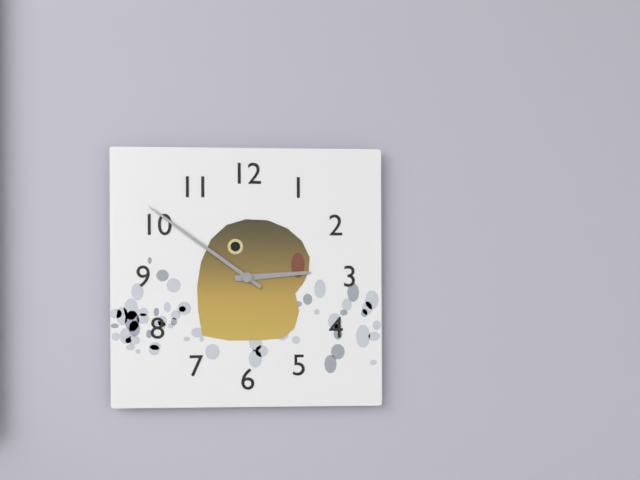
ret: {"hour": 2, "minute": 51}
